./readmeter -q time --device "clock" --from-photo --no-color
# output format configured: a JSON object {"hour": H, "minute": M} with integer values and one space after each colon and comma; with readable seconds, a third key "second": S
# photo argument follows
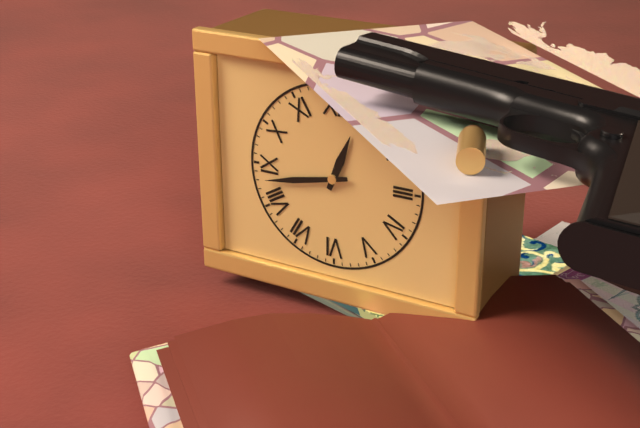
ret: {"hour": 12, "minute": 43}
